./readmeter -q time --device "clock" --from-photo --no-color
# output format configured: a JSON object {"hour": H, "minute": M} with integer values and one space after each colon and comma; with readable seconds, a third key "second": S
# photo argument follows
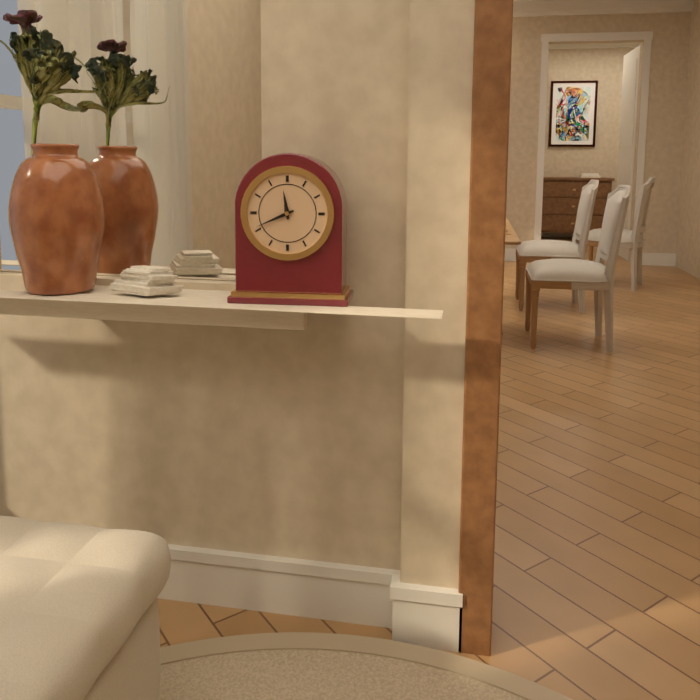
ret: {"hour": 11, "minute": 41}
